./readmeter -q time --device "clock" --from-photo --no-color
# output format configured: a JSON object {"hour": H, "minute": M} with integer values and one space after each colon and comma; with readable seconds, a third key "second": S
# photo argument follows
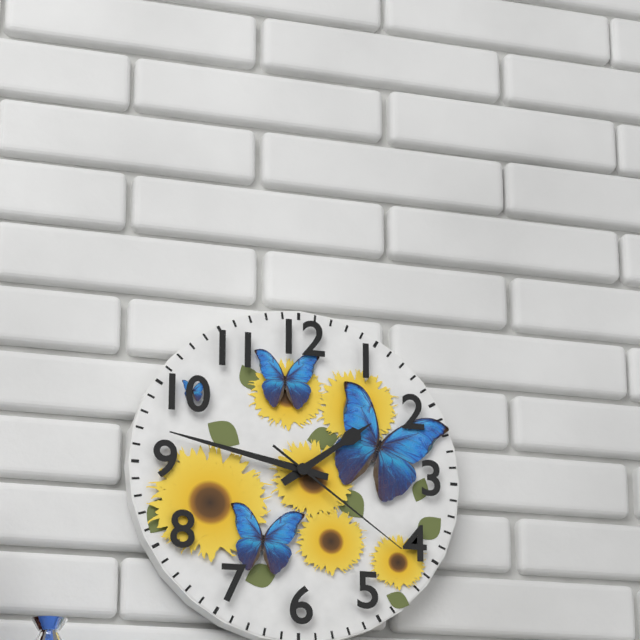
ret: {"hour": 1, "minute": 47, "second": 21}
